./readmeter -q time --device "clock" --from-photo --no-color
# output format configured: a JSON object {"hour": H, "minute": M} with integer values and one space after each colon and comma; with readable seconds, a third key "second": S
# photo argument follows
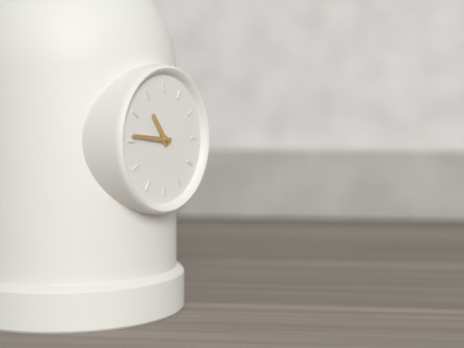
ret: {"hour": 10, "minute": 46}
